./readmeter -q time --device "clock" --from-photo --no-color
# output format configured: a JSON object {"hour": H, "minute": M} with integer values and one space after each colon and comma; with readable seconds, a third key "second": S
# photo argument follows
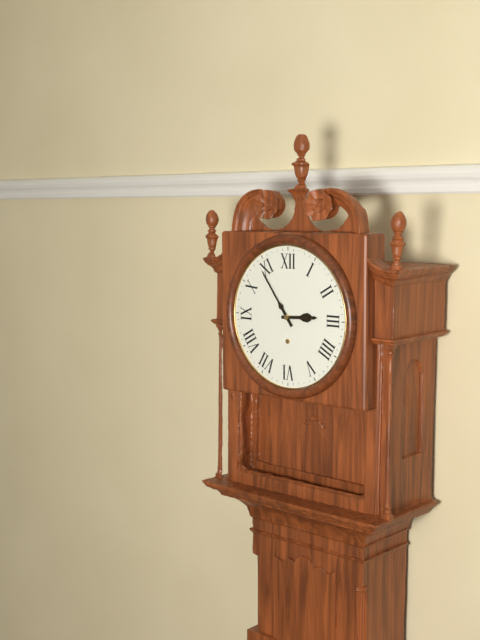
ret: {"hour": 2, "minute": 54}
